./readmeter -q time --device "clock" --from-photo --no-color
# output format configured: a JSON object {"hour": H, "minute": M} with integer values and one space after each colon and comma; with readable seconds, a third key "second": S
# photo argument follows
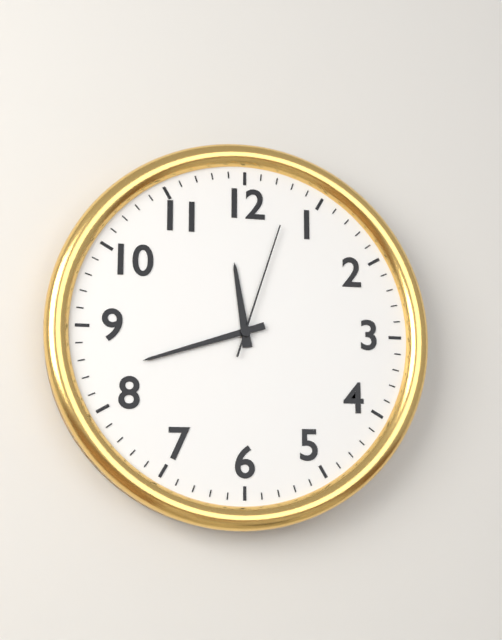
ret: {"hour": 11, "minute": 42, "second": 3}
